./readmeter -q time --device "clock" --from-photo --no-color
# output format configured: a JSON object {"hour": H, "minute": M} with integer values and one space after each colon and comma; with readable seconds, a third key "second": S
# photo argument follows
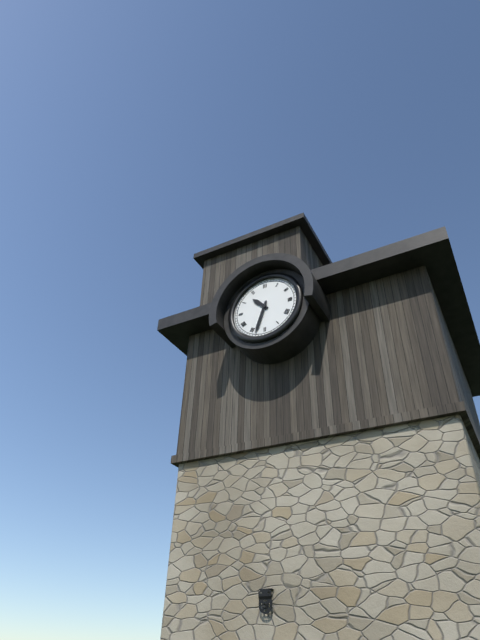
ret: {"hour": 10, "minute": 33}
